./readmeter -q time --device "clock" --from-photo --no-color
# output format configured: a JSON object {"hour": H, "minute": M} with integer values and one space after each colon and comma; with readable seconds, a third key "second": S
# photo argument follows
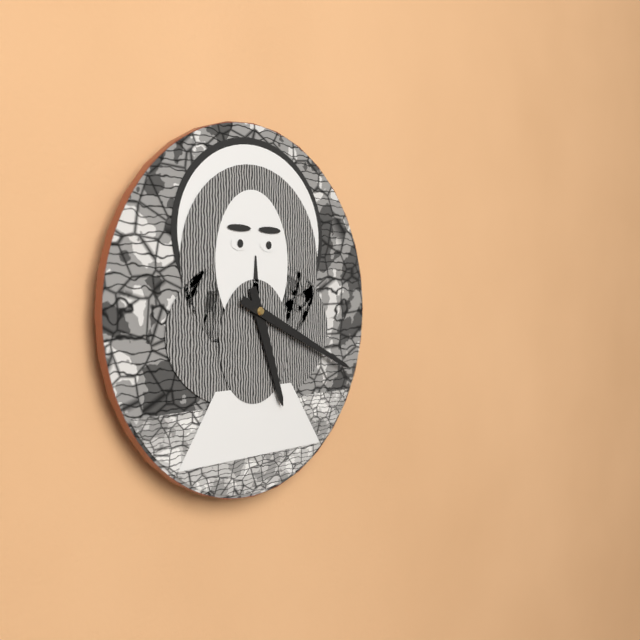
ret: {"hour": 5, "minute": 19}
